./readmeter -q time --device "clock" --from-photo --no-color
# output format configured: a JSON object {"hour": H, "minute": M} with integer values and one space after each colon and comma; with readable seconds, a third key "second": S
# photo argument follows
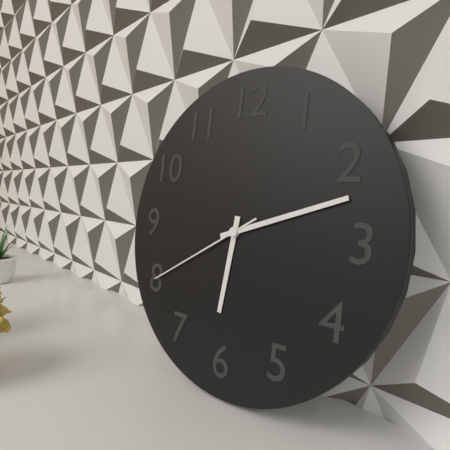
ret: {"hour": 6, "minute": 12, "second": 40}
